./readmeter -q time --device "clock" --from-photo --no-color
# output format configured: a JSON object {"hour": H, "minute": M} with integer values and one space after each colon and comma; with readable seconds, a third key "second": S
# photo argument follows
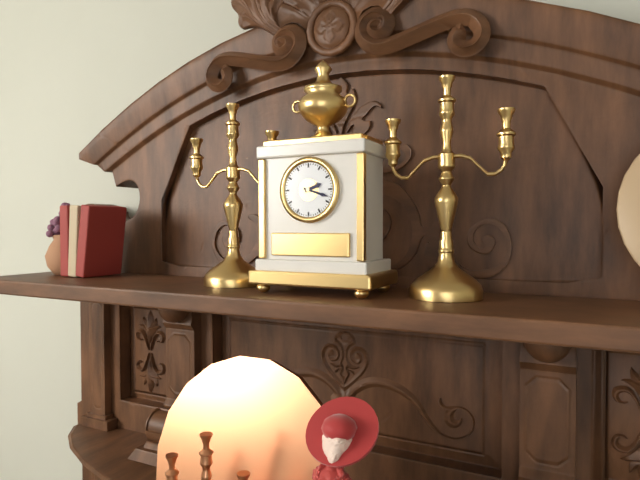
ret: {"hour": 2, "minute": 18}
